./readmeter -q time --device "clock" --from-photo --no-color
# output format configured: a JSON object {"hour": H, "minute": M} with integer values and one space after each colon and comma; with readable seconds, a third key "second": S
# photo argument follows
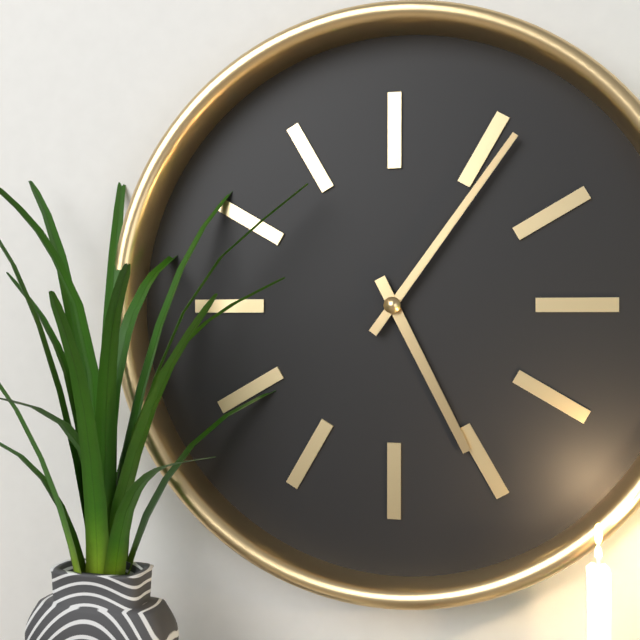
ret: {"hour": 5, "minute": 6}
